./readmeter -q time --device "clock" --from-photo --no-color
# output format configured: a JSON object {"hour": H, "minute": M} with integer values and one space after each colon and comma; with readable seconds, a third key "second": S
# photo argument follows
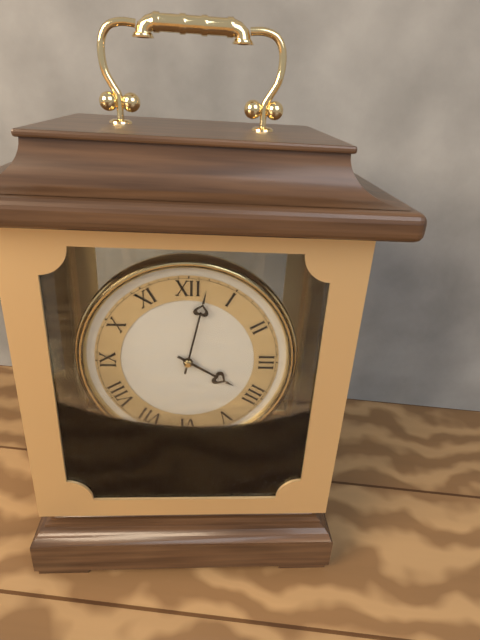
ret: {"hour": 4, "minute": 2}
